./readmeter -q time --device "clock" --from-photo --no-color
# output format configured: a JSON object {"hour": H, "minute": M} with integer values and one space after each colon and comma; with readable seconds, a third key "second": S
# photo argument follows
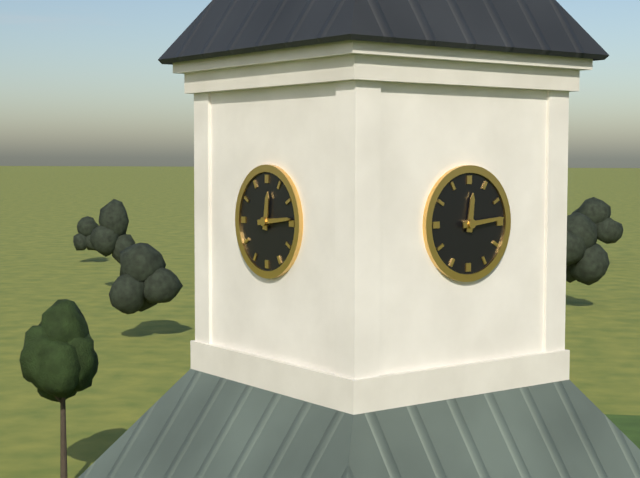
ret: {"hour": 12, "minute": 14}
